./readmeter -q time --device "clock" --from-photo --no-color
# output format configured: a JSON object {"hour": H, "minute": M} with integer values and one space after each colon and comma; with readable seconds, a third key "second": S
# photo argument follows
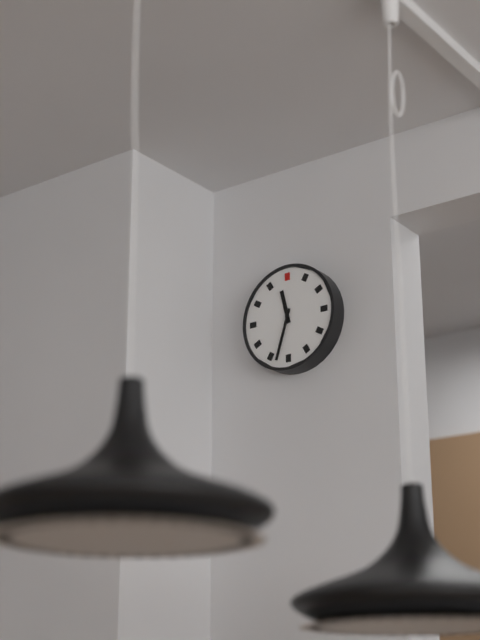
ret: {"hour": 11, "minute": 33}
